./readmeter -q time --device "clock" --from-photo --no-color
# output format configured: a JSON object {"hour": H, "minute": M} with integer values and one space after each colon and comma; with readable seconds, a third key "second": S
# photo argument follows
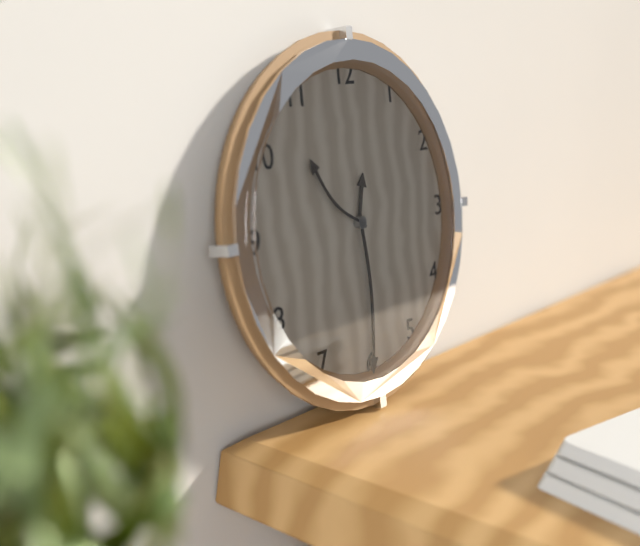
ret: {"hour": 12, "minute": 30, "second": 52}
